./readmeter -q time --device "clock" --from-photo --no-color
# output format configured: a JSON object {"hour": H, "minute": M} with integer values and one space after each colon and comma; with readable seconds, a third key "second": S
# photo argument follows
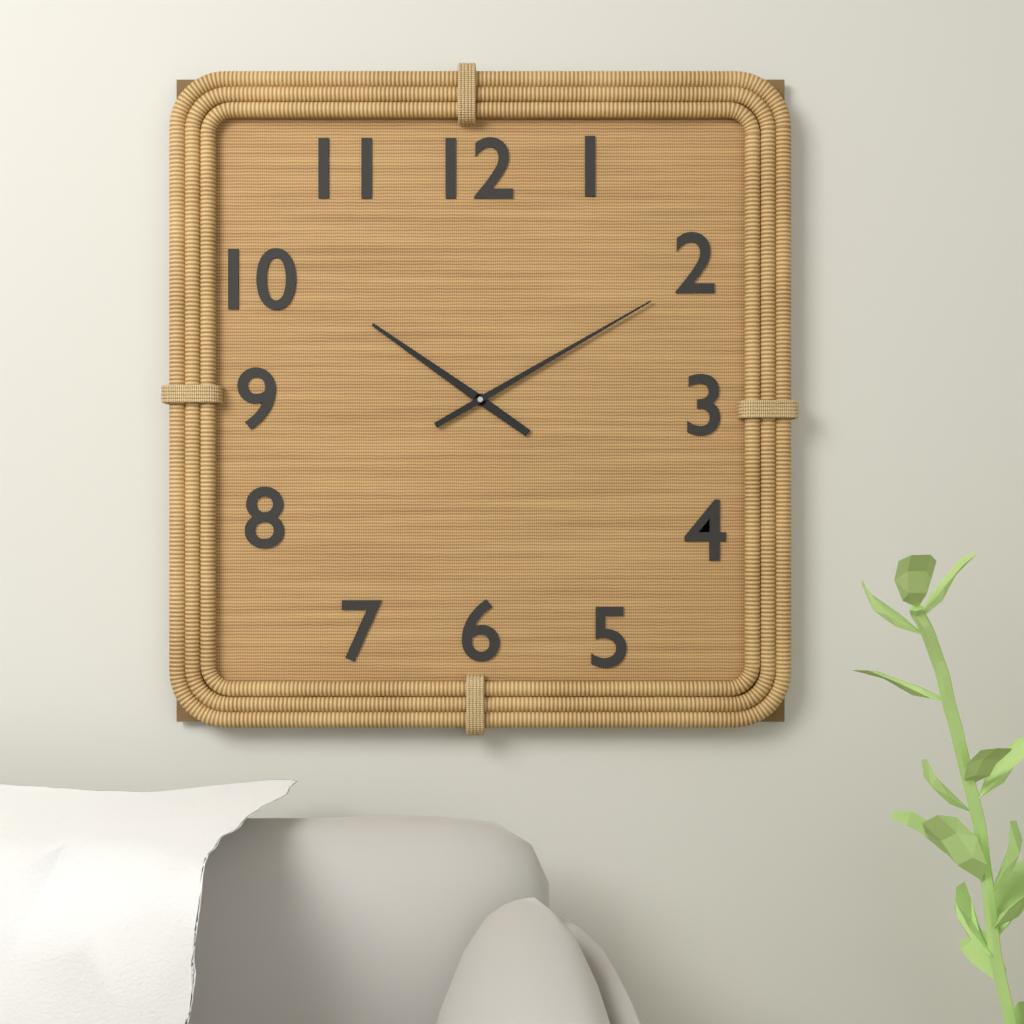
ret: {"hour": 10, "minute": 10}
